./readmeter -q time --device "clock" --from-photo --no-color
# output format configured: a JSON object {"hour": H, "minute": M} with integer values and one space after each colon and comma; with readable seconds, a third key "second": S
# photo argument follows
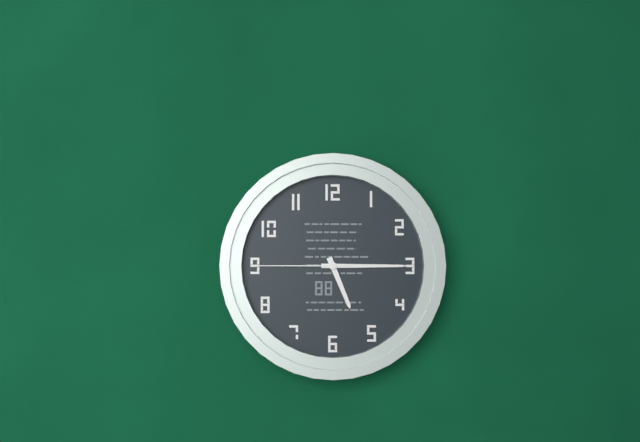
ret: {"hour": 5, "minute": 15, "second": 45}
